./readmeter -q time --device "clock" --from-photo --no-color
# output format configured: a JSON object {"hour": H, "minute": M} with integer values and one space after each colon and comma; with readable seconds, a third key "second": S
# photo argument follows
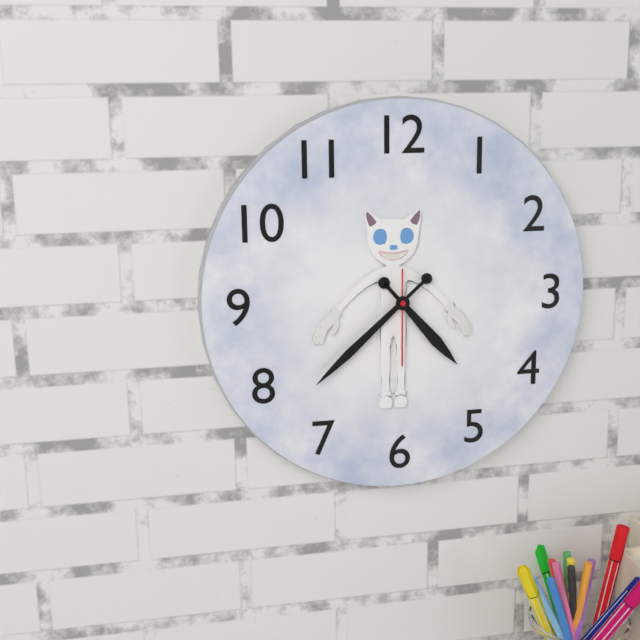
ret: {"hour": 4, "minute": 38, "second": 30}
